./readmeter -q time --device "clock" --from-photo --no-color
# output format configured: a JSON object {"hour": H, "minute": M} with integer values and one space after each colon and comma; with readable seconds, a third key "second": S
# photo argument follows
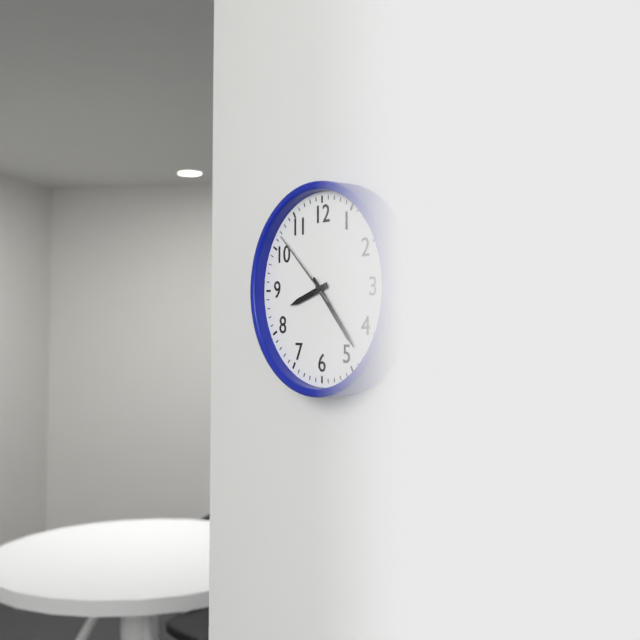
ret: {"hour": 8, "minute": 23, "second": 52}
